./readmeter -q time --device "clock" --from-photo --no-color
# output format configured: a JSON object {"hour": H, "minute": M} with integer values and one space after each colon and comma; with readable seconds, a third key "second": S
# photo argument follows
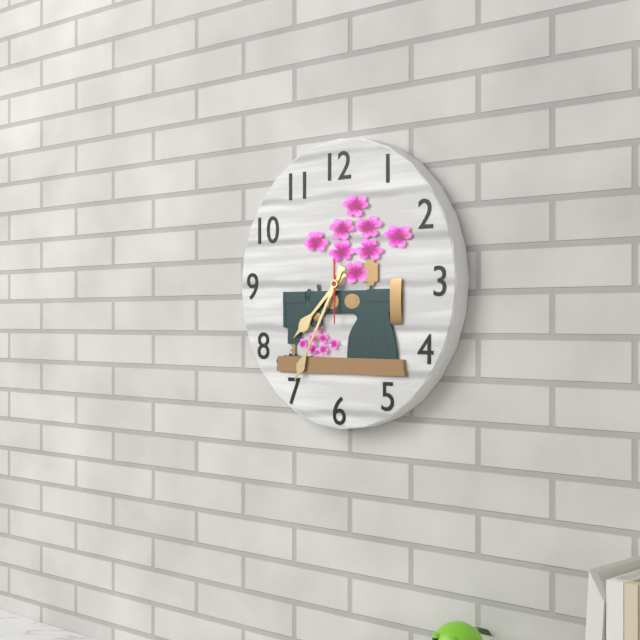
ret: {"hour": 7, "minute": 35, "second": 30}
